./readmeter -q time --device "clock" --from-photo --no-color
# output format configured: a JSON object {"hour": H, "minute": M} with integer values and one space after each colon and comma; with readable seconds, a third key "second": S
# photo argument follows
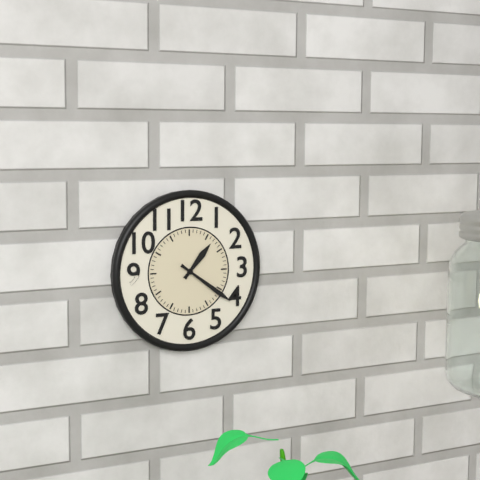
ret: {"hour": 1, "minute": 21}
